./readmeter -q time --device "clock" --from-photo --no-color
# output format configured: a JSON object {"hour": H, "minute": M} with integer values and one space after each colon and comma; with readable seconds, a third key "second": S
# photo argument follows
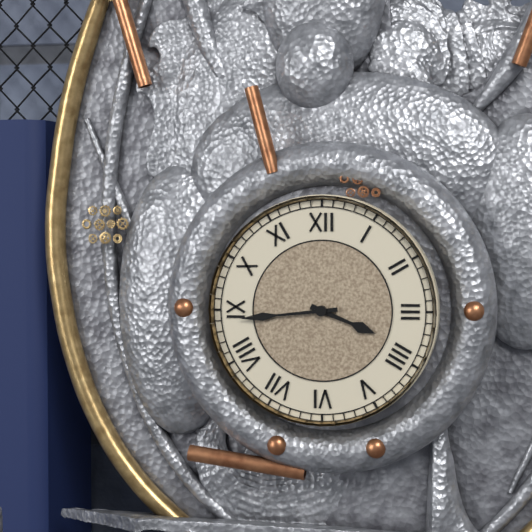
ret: {"hour": 3, "minute": 44}
